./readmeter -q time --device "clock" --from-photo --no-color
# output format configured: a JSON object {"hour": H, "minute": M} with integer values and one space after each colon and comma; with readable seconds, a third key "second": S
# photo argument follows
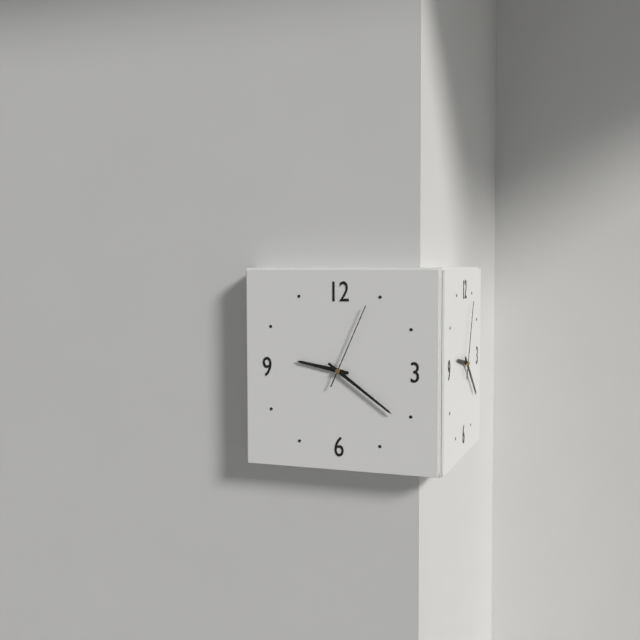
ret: {"hour": 9, "minute": 21, "second": 4}
